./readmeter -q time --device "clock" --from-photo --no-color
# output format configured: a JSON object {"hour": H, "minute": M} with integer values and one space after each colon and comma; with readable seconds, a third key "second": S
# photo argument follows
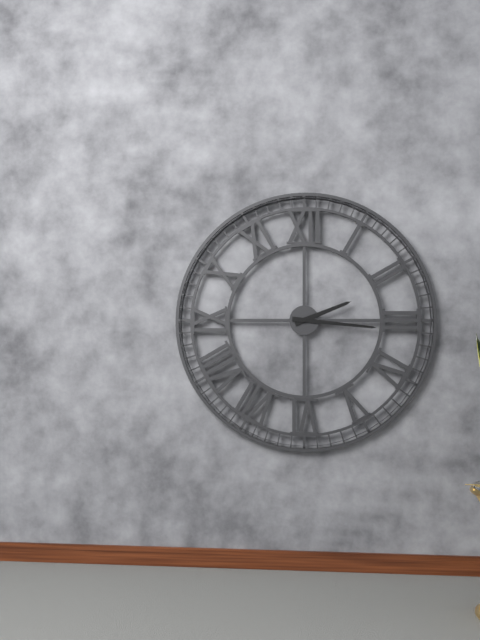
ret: {"hour": 2, "minute": 16}
